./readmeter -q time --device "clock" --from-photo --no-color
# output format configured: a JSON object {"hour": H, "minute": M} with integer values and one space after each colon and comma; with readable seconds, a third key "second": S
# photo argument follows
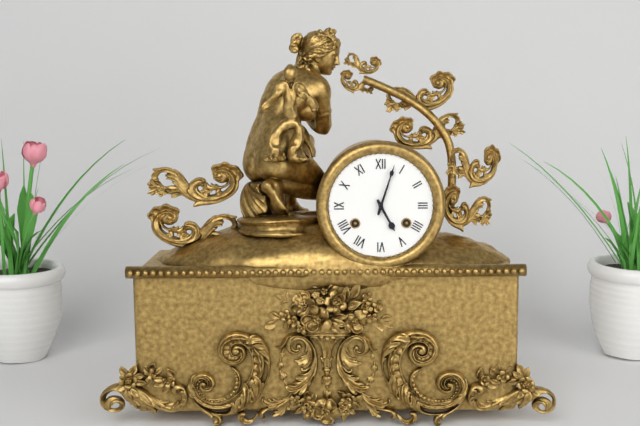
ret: {"hour": 5, "minute": 3}
